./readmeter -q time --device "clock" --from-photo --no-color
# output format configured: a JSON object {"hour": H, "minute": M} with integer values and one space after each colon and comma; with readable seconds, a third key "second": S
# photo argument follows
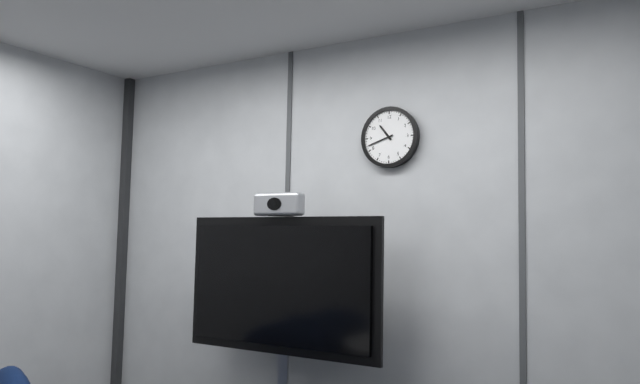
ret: {"hour": 10, "minute": 42}
